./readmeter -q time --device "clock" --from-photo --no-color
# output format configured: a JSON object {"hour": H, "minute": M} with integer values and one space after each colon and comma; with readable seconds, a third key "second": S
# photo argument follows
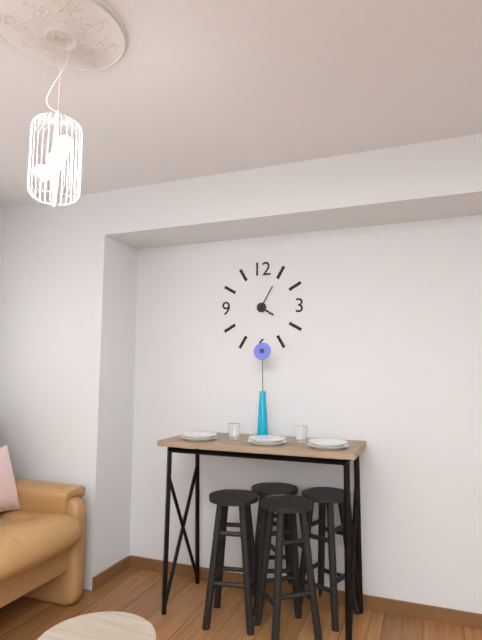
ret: {"hour": 4, "minute": 5}
